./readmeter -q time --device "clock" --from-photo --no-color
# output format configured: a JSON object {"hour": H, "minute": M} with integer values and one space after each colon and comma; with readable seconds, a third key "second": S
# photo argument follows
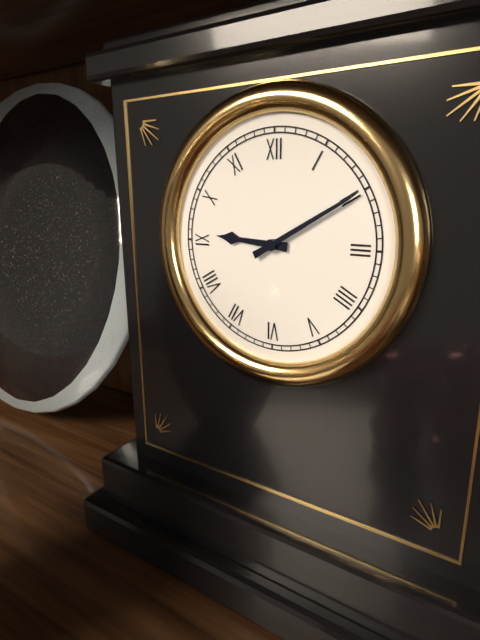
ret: {"hour": 9, "minute": 10}
